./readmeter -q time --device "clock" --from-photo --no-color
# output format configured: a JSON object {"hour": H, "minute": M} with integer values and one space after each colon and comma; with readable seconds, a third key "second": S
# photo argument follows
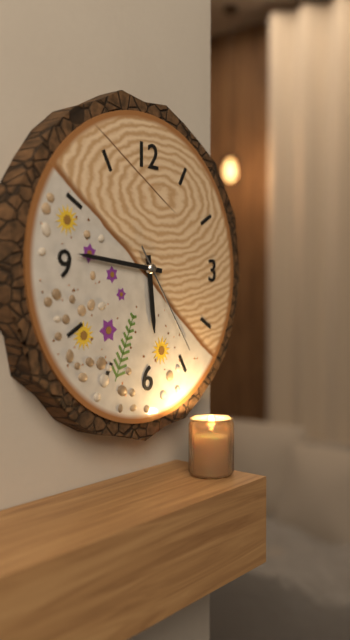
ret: {"hour": 5, "minute": 46, "second": 24}
